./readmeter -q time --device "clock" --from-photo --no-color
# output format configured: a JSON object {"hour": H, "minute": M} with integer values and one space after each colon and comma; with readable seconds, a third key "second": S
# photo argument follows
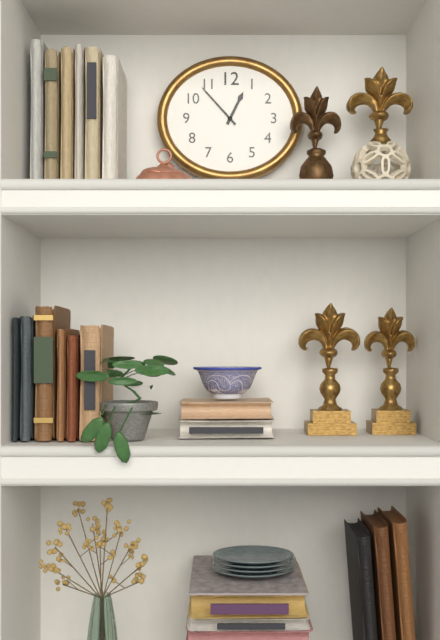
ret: {"hour": 12, "minute": 53}
